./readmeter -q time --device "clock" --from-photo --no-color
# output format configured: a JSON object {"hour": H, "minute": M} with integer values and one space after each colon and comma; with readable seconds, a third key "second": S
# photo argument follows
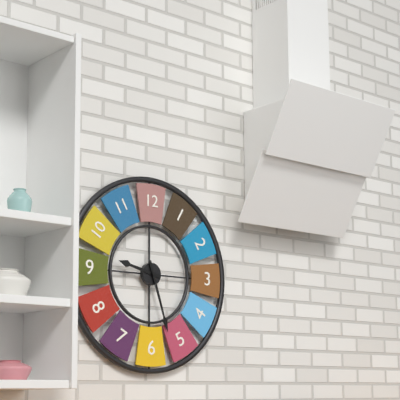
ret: {"hour": 9, "minute": 27}
